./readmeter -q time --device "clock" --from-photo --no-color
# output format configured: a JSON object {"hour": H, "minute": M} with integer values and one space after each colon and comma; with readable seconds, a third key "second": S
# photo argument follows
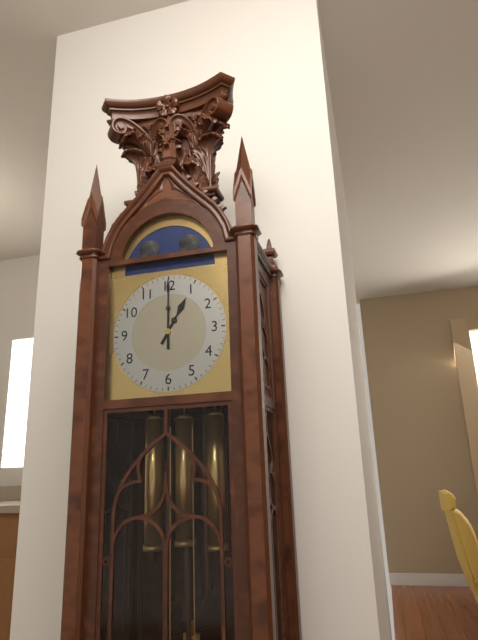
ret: {"hour": 1, "minute": 0}
